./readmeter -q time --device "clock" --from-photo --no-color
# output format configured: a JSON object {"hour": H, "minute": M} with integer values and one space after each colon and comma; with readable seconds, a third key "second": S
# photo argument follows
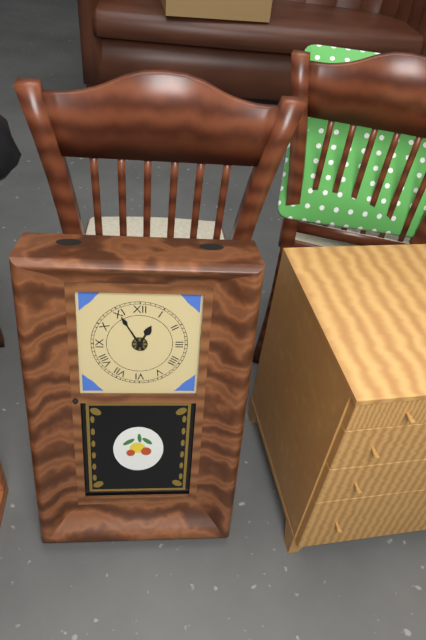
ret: {"hour": 12, "minute": 55}
